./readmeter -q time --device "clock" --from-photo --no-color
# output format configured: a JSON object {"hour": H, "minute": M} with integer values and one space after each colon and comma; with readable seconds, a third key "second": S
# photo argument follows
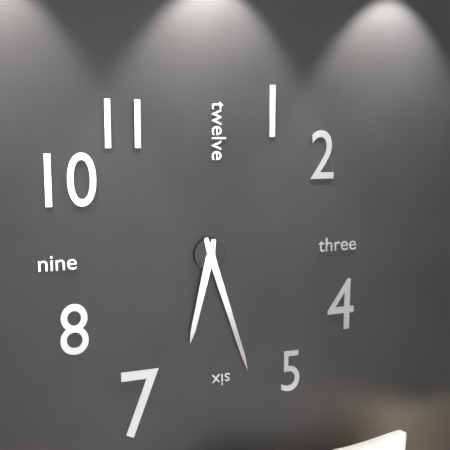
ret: {"hour": 6, "minute": 27}
